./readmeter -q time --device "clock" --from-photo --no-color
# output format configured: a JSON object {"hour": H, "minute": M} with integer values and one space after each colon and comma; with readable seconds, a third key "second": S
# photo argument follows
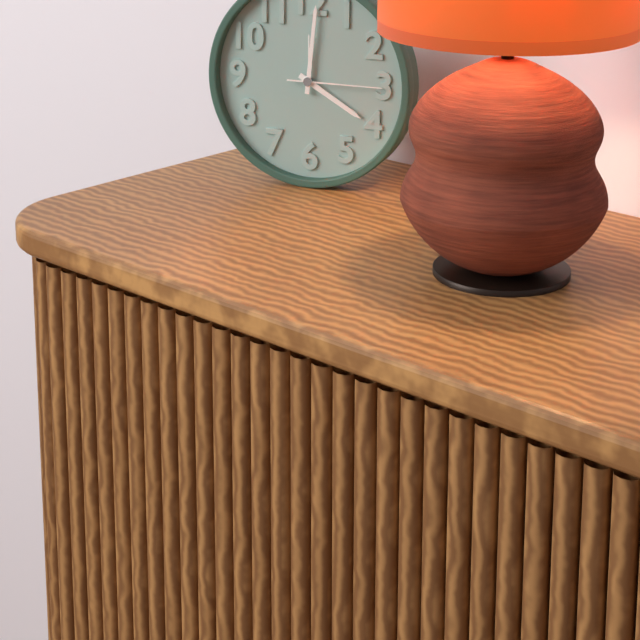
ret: {"hour": 4, "minute": 1, "second": 15}
